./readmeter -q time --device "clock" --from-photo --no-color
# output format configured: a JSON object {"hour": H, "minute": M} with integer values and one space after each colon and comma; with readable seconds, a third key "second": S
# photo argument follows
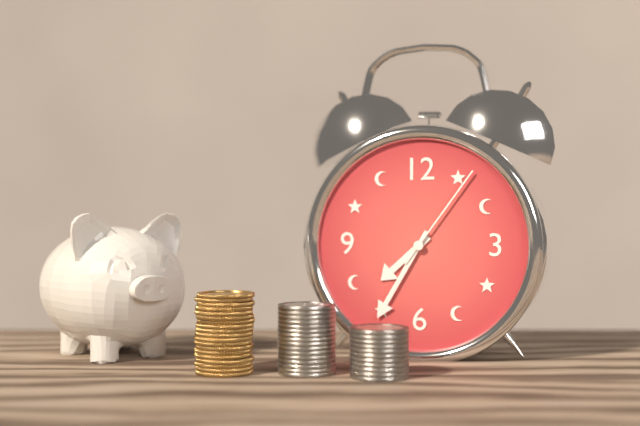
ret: {"hour": 7, "minute": 35, "second": 6}
